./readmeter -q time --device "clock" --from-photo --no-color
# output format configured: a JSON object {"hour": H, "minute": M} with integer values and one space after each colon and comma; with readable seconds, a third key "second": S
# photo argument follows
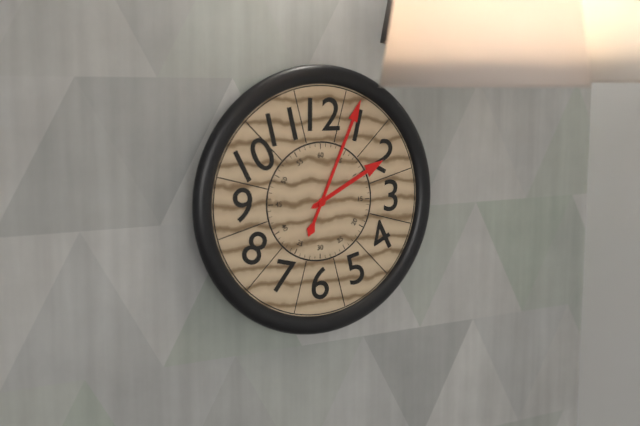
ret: {"hour": 2, "minute": 4}
